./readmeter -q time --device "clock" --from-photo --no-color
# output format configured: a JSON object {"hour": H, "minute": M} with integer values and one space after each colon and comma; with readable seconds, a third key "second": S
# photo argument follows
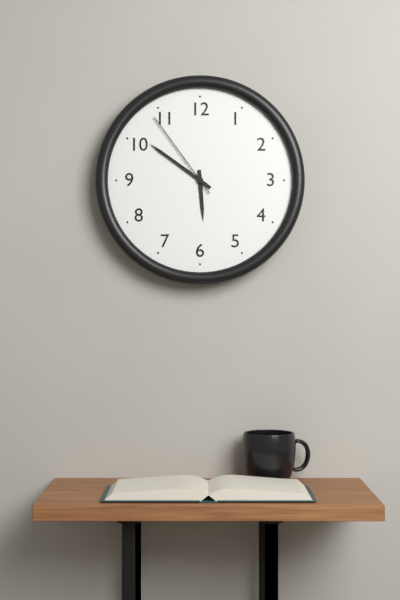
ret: {"hour": 5, "minute": 51, "second": 54}
